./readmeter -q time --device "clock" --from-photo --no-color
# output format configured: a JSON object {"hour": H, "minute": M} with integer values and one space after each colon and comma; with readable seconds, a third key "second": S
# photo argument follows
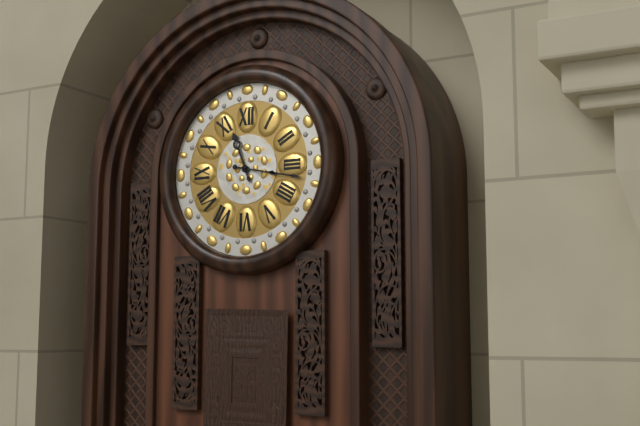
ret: {"hour": 11, "minute": 17}
